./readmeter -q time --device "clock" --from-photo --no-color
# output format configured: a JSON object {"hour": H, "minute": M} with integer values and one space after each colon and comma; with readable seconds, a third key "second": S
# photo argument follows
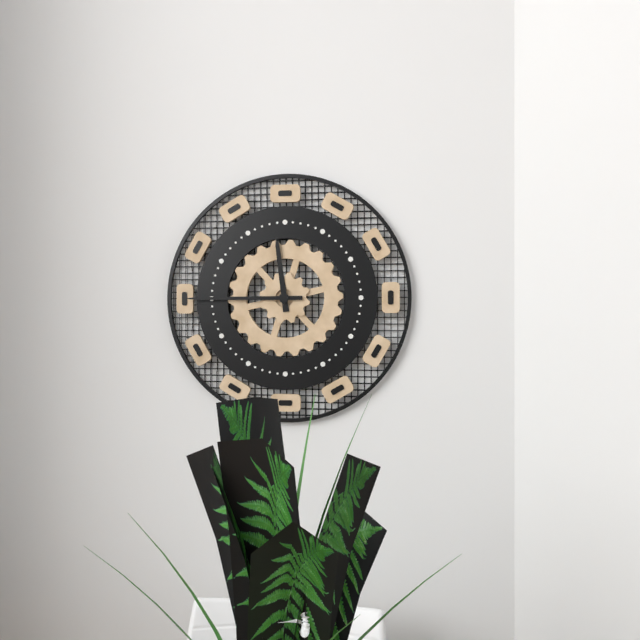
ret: {"hour": 11, "minute": 45}
